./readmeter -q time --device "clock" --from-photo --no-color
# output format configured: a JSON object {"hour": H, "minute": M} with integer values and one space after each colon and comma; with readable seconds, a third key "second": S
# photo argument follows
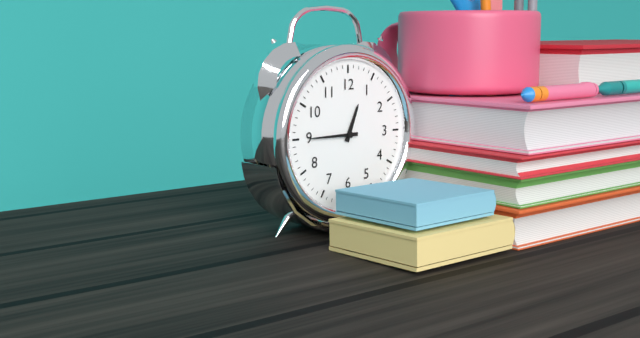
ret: {"hour": 12, "minute": 45}
